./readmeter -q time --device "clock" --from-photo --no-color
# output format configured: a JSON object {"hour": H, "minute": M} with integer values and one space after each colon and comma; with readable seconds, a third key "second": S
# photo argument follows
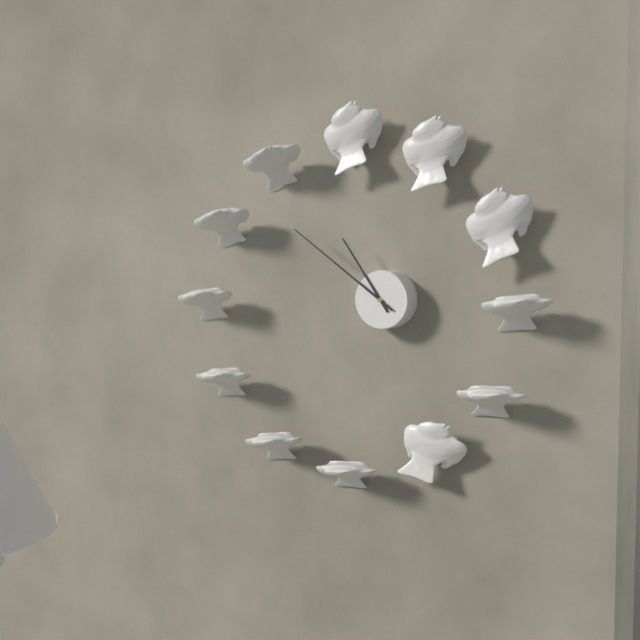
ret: {"hour": 10, "minute": 51}
